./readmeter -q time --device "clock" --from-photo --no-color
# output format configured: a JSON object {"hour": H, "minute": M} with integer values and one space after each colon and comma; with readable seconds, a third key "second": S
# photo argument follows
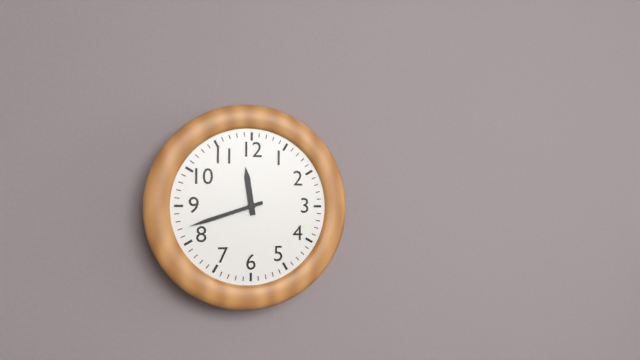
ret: {"hour": 11, "minute": 42}
